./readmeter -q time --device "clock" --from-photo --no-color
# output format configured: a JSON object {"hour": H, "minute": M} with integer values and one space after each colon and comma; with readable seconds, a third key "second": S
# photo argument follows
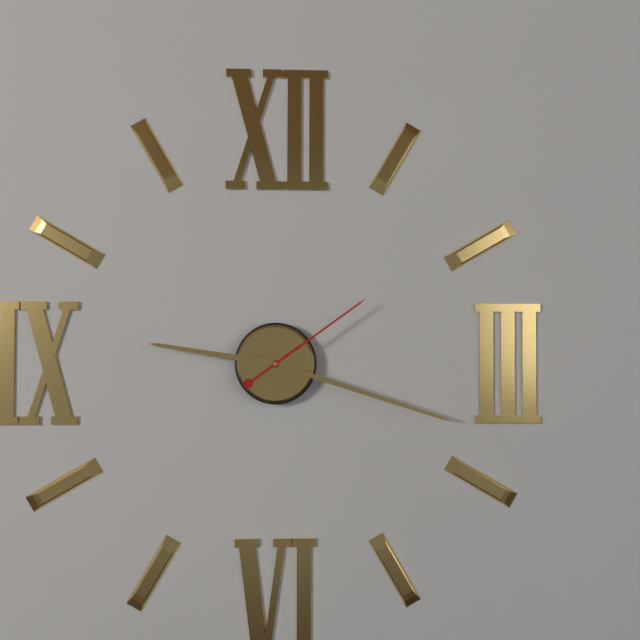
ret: {"hour": 9, "minute": 18, "second": 9}
